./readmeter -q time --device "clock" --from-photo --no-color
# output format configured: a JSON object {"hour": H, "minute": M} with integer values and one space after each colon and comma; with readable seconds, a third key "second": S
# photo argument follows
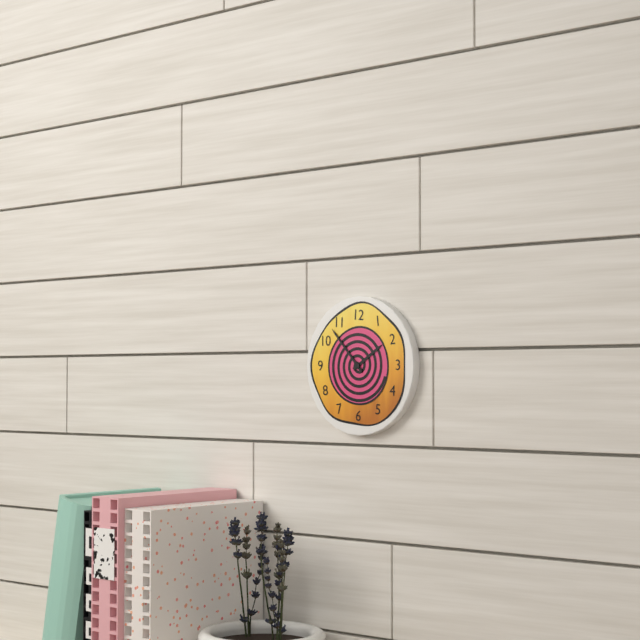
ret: {"hour": 1, "minute": 53}
